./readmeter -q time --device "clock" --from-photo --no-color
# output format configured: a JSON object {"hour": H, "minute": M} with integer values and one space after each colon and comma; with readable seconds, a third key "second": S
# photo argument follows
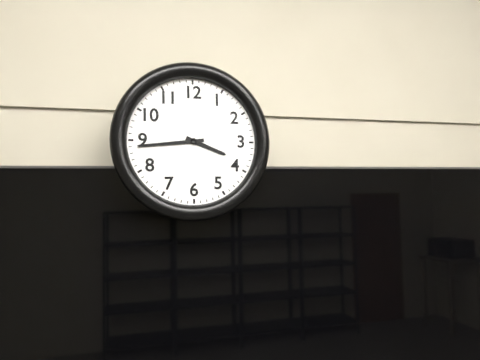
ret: {"hour": 3, "minute": 44}
